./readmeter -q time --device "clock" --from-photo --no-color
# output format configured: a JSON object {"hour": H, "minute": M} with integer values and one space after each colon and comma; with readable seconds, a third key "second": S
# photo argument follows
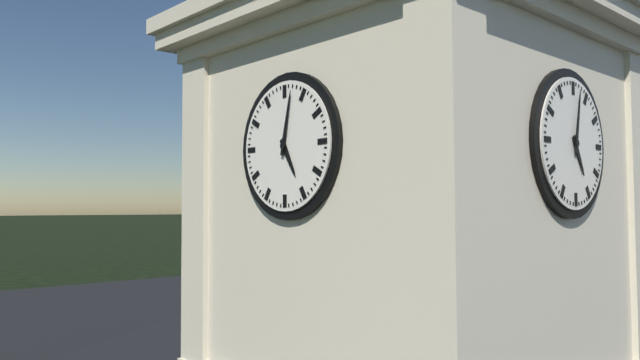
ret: {"hour": 5, "minute": 2}
